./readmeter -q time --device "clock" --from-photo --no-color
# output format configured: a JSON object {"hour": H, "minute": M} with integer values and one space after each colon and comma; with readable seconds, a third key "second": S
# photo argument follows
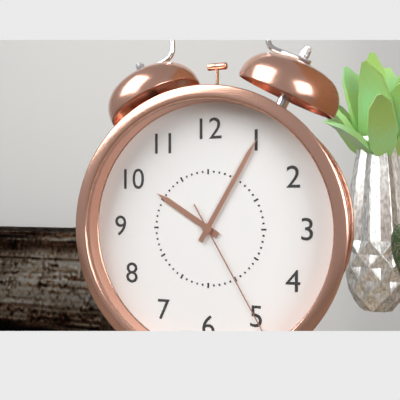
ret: {"hour": 10, "minute": 5, "second": 25}
